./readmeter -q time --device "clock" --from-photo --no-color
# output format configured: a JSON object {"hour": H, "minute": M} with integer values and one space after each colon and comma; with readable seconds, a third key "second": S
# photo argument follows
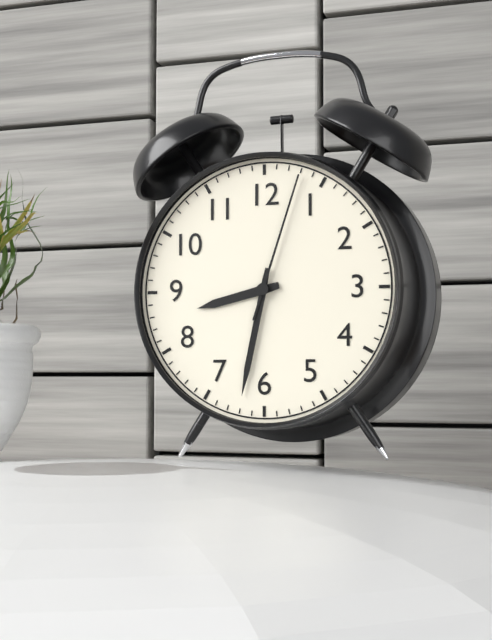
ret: {"hour": 8, "minute": 32, "second": 3}
